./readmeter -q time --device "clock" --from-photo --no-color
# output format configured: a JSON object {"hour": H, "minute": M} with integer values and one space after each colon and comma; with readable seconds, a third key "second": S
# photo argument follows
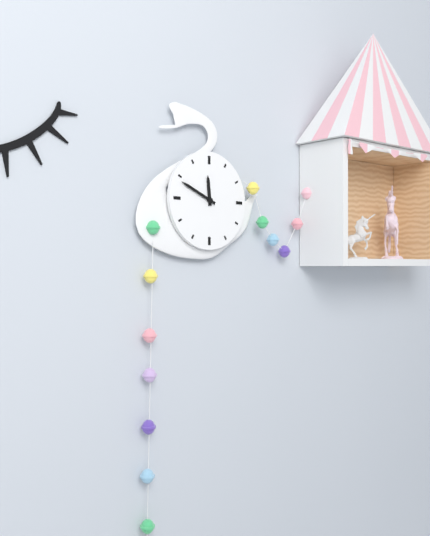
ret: {"hour": 11, "minute": 49}
